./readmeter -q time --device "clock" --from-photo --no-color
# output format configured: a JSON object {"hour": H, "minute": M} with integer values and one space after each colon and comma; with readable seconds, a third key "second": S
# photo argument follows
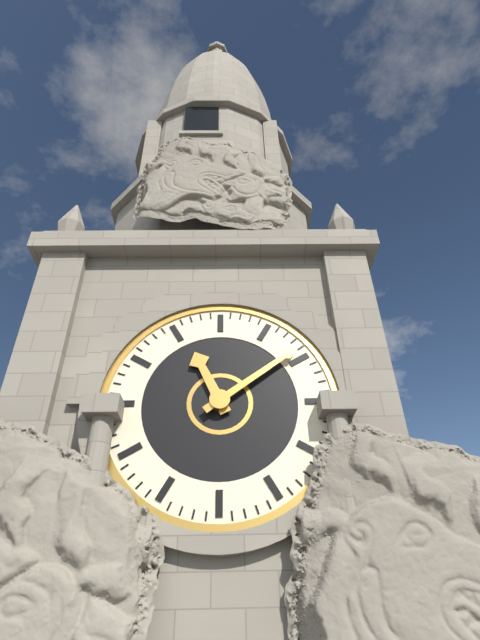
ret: {"hour": 11, "minute": 9}
